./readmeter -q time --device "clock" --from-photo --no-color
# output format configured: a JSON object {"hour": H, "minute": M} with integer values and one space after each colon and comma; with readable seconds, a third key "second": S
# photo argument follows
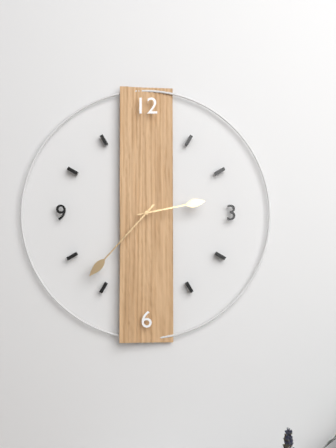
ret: {"hour": 2, "minute": 37}
